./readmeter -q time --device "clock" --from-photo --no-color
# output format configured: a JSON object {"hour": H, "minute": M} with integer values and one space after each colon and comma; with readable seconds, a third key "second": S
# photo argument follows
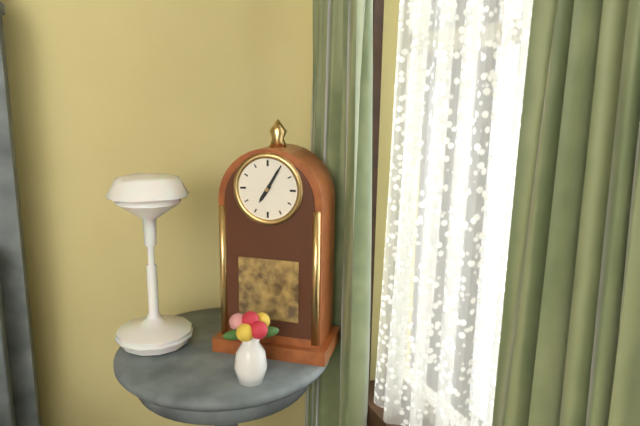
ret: {"hour": 7, "minute": 5}
